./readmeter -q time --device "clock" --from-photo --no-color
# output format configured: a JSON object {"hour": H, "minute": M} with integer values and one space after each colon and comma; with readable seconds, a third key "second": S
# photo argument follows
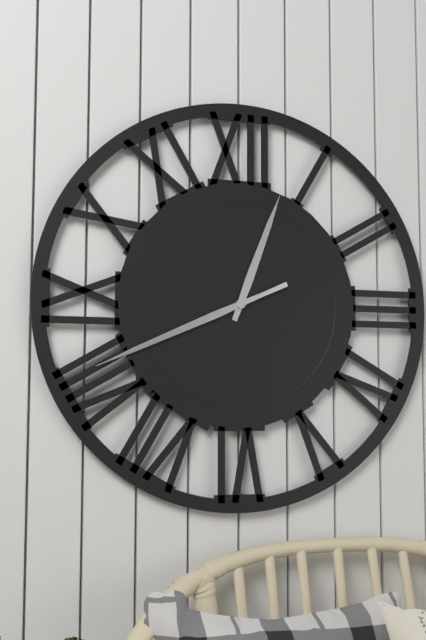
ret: {"hour": 12, "minute": 41, "second": 41}
